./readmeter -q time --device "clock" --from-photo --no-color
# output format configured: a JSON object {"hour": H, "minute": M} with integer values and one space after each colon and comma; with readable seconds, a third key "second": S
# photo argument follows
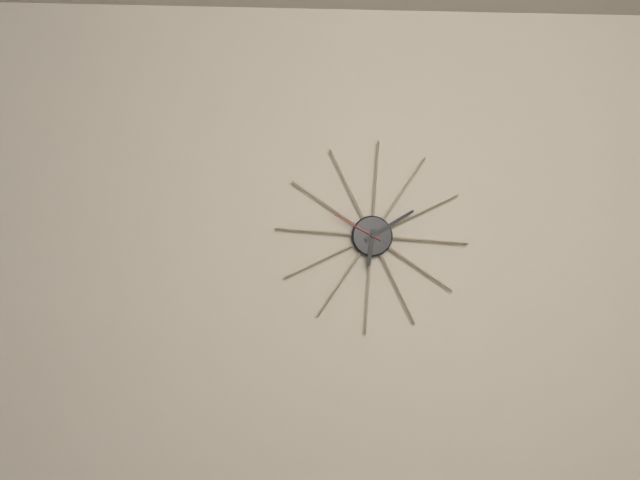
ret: {"hour": 6, "minute": 9, "second": 49}
